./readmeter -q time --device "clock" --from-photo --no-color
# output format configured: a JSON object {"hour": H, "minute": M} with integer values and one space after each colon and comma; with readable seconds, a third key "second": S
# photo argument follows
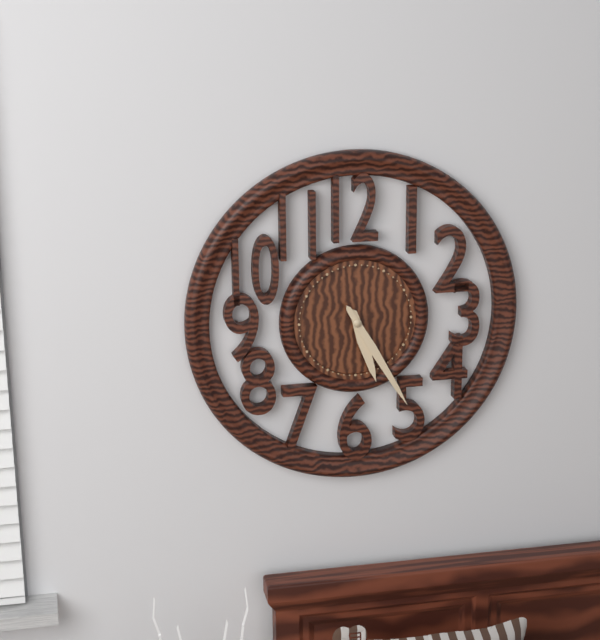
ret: {"hour": 5, "minute": 25}
